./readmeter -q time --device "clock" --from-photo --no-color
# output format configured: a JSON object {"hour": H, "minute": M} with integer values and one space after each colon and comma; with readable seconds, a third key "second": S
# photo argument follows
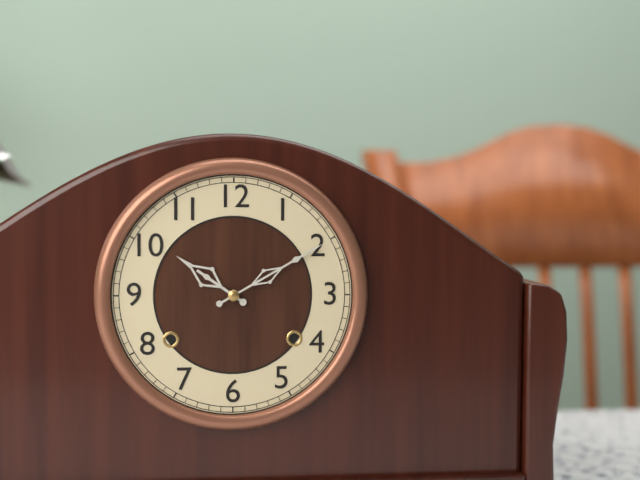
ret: {"hour": 10, "minute": 10}
